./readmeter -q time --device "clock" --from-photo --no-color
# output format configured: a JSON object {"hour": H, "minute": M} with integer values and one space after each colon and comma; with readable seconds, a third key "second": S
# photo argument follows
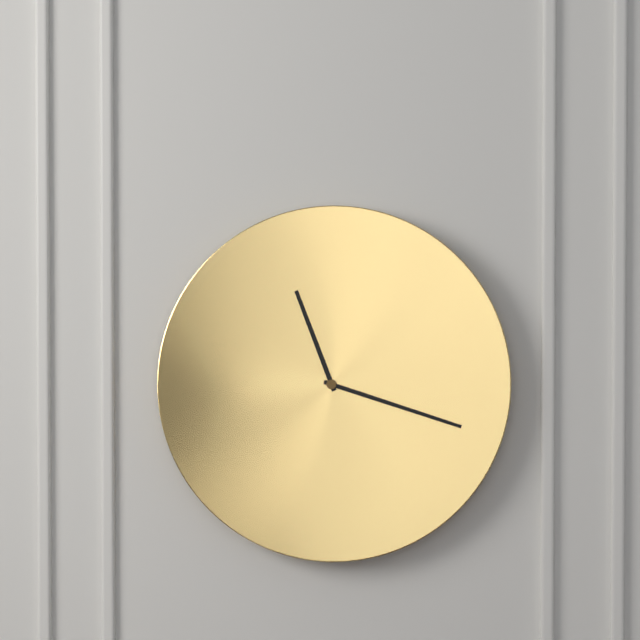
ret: {"hour": 11, "minute": 18}
